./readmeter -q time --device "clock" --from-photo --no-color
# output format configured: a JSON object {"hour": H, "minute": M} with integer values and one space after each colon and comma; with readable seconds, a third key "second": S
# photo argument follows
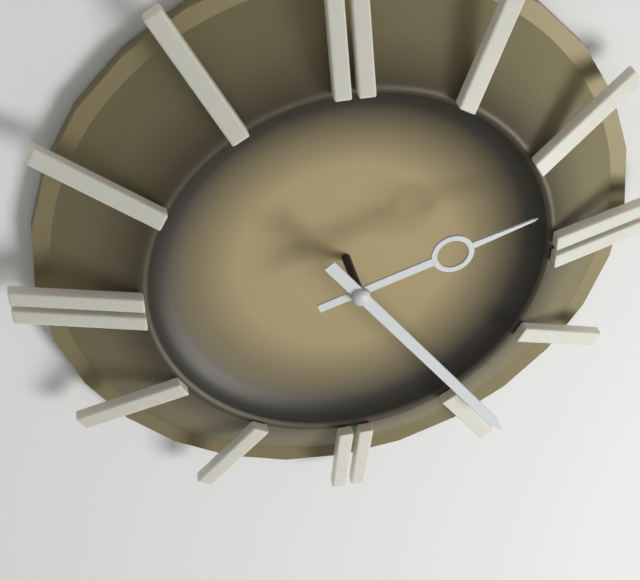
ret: {"hour": 2, "minute": 24}
